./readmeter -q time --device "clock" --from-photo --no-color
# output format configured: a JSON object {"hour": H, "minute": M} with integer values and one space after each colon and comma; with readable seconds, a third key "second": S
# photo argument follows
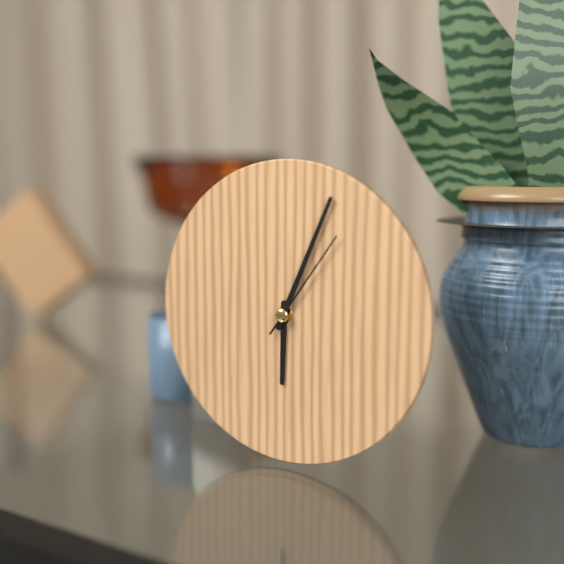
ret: {"hour": 6, "minute": 4, "second": 6}
